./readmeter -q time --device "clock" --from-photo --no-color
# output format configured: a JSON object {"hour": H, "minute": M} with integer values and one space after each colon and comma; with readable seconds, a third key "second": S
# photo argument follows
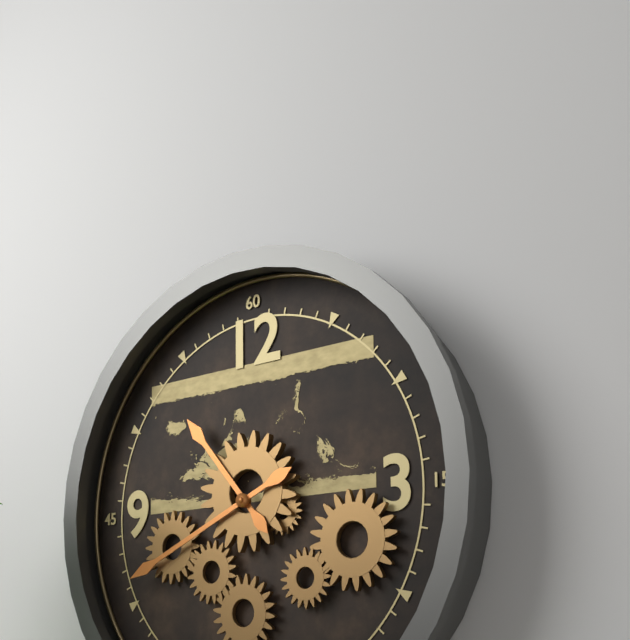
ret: {"hour": 10, "minute": 41}
